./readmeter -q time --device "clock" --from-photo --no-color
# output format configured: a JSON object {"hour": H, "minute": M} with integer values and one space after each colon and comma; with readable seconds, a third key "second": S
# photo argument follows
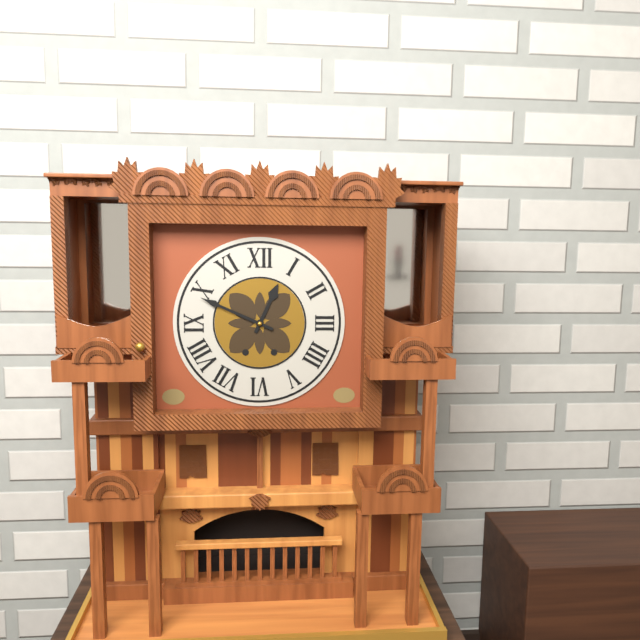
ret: {"hour": 12, "minute": 49}
